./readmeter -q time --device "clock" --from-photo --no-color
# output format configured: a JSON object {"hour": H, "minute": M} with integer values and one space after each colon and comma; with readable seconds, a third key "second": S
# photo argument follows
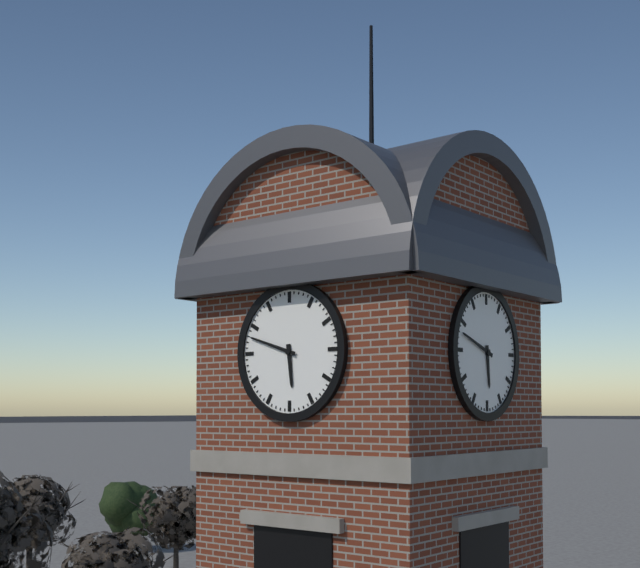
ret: {"hour": 5, "minute": 48}
